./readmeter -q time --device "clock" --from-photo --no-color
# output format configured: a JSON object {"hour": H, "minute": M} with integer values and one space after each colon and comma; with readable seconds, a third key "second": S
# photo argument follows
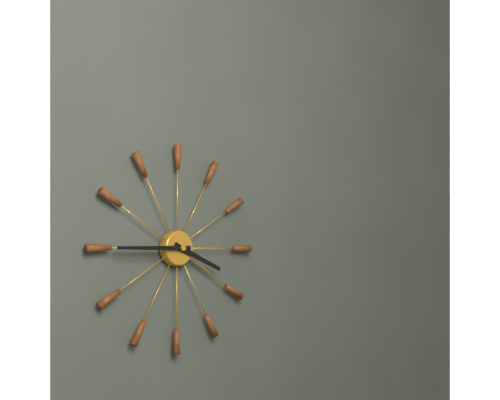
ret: {"hour": 3, "minute": 45}
